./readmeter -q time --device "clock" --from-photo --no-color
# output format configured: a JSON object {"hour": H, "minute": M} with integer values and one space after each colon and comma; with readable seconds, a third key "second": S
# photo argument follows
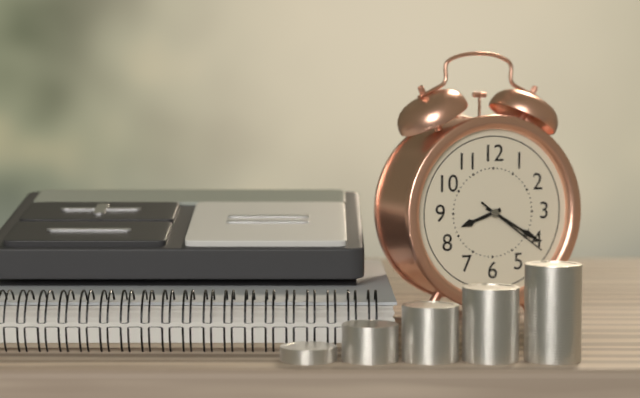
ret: {"hour": 8, "minute": 20, "second": 21}
